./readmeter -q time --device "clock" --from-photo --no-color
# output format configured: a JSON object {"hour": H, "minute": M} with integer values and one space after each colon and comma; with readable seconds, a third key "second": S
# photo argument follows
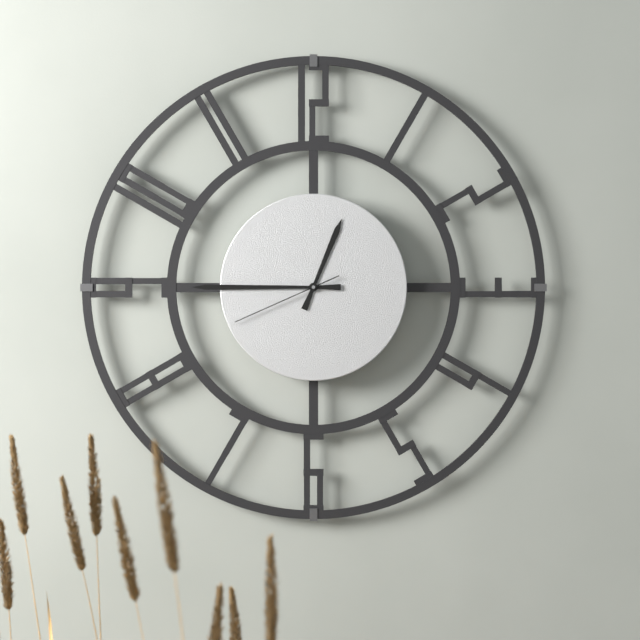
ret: {"hour": 12, "minute": 45, "second": 41}
